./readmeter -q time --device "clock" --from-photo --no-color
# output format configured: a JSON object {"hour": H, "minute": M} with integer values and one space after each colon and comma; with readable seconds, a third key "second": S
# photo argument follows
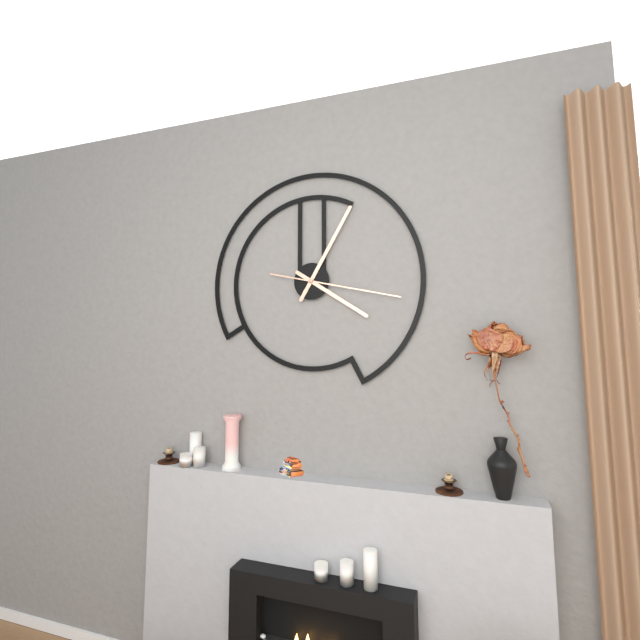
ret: {"hour": 4, "minute": 5, "second": 17}
